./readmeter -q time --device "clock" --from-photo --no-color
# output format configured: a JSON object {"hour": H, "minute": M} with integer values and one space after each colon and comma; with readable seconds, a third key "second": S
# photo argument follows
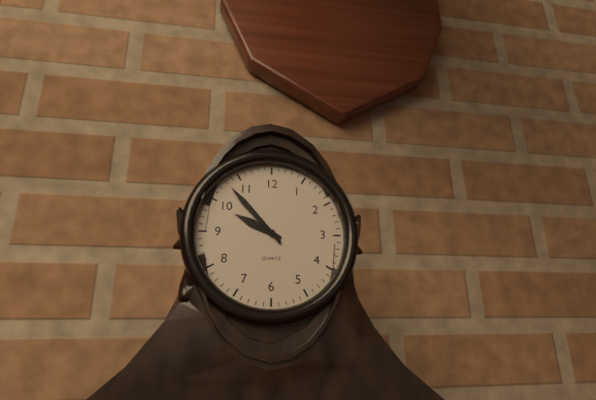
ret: {"hour": 9, "minute": 53}
